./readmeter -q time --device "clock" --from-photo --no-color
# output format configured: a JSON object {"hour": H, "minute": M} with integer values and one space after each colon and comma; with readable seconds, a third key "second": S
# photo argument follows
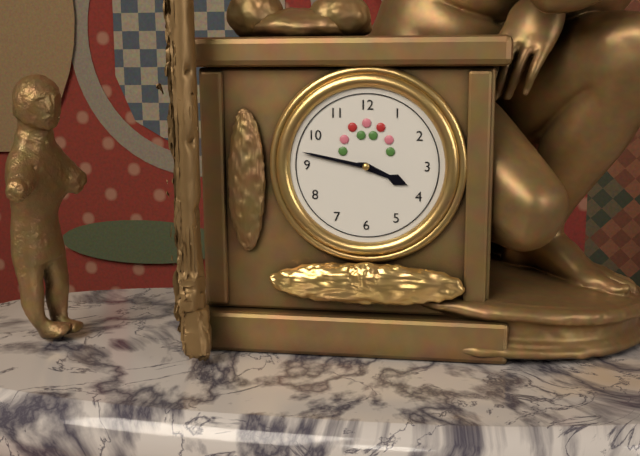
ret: {"hour": 3, "minute": 47}
